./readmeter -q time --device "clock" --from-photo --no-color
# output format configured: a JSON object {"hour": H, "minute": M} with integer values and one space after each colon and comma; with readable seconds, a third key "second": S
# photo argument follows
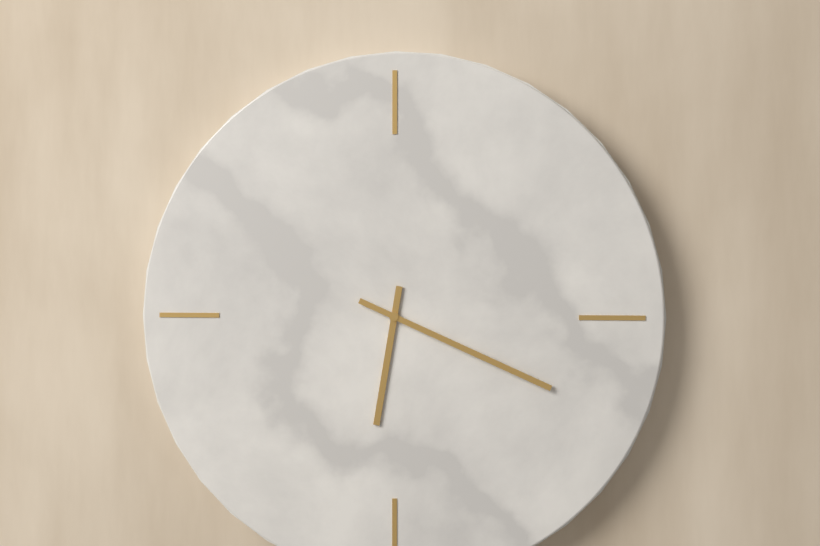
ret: {"hour": 6, "minute": 19}
